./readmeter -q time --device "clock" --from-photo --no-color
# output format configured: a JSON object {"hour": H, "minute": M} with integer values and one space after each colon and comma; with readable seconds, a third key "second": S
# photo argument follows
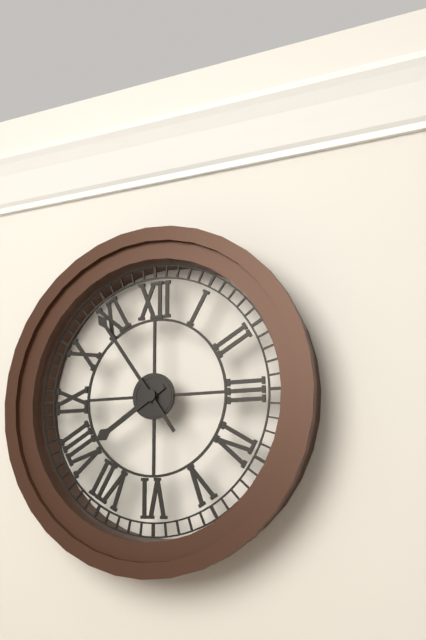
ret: {"hour": 7, "minute": 54}
